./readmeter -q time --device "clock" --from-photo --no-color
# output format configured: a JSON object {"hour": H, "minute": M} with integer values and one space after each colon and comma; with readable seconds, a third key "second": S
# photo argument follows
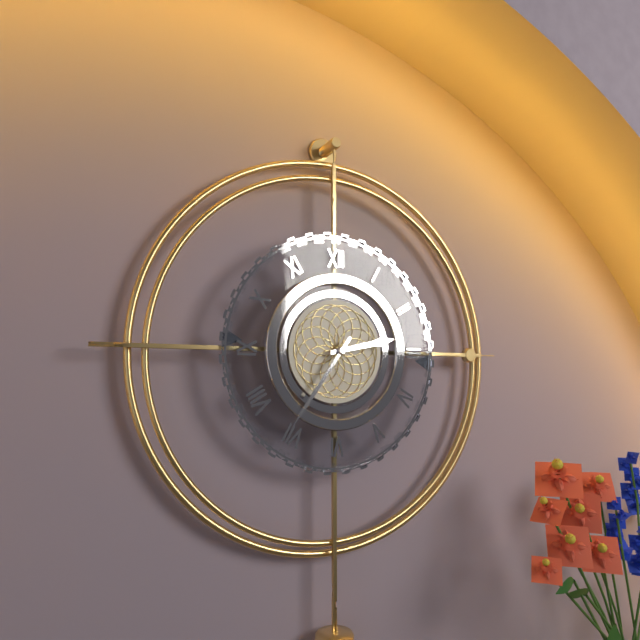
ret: {"hour": 2, "minute": 36}
